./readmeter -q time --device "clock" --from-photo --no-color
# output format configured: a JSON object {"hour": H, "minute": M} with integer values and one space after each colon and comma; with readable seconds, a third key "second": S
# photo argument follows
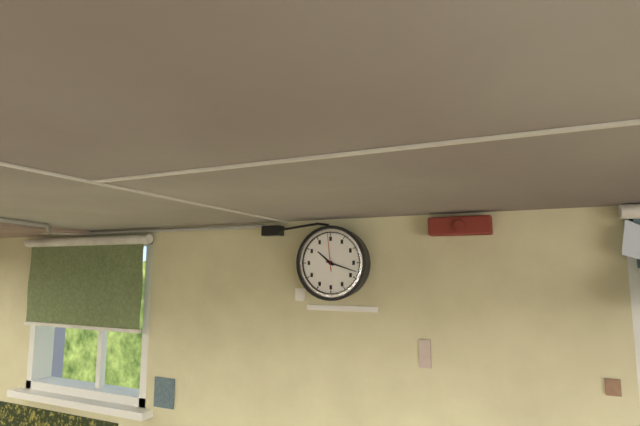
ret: {"hour": 10, "minute": 18}
